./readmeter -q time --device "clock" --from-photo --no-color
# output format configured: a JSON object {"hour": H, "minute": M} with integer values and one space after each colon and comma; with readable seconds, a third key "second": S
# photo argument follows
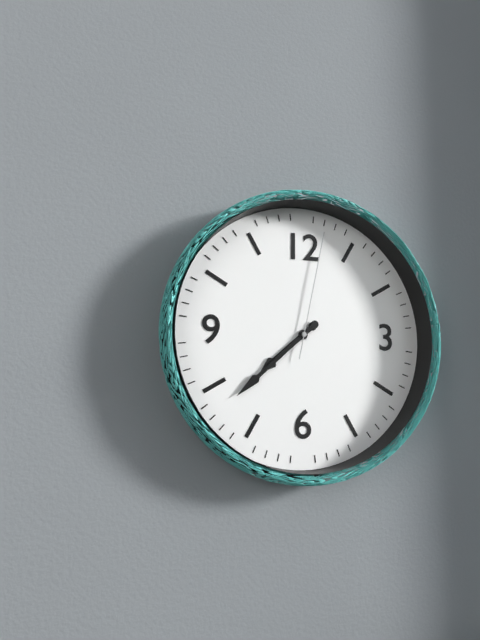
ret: {"hour": 7, "minute": 38, "second": 2}
